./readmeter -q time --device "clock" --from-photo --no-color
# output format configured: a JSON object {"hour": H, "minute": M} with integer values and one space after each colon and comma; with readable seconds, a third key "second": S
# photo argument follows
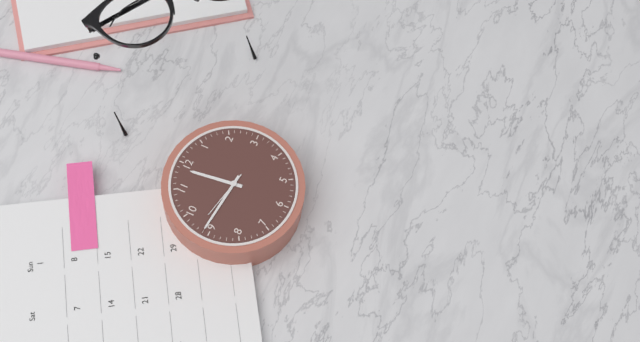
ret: {"hour": 11, "minute": 46}
